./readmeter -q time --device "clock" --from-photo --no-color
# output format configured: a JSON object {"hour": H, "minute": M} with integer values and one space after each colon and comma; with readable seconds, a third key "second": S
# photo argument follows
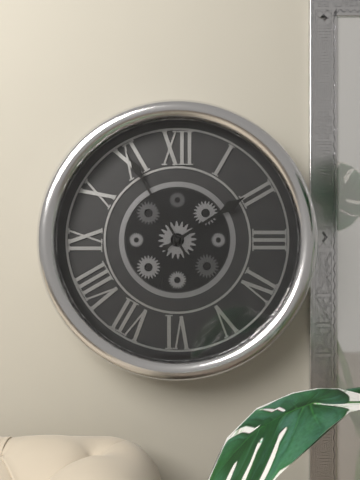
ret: {"hour": 1, "minute": 55}
